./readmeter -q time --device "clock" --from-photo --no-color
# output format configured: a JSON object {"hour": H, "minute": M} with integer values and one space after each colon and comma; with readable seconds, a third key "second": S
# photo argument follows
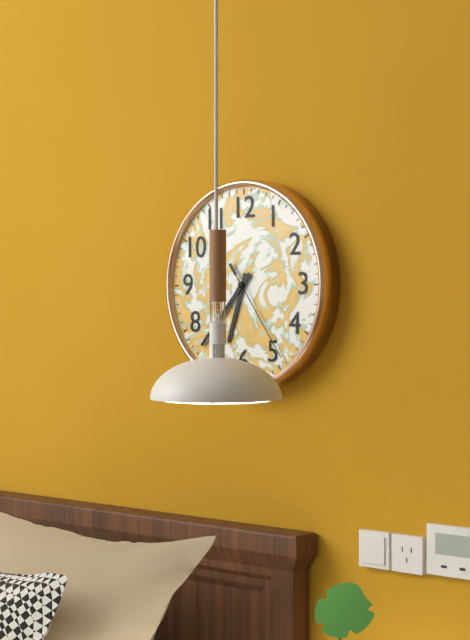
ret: {"hour": 6, "minute": 37, "second": 24}
